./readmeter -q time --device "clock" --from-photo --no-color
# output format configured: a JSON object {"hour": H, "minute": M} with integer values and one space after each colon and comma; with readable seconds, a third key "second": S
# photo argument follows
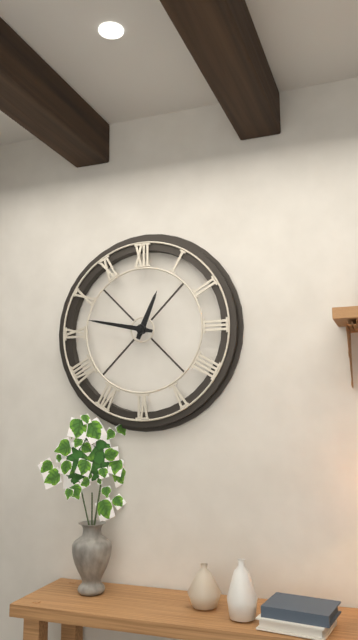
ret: {"hour": 12, "minute": 47}
